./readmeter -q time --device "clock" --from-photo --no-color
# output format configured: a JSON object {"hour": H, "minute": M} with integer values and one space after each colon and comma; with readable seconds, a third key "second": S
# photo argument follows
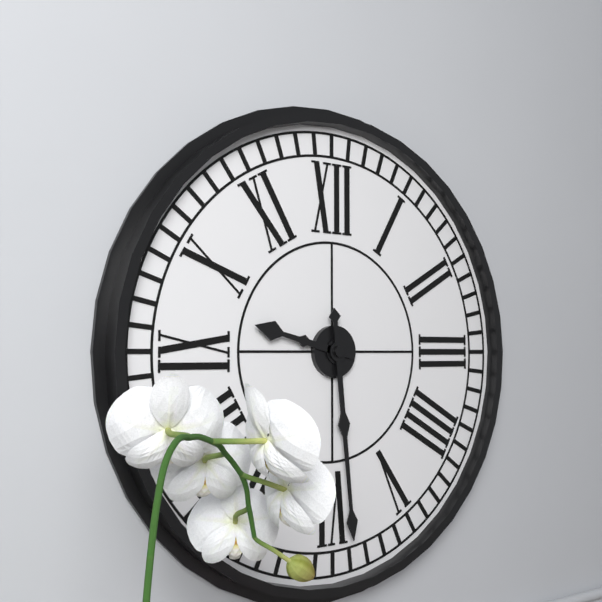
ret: {"hour": 9, "minute": 29}
